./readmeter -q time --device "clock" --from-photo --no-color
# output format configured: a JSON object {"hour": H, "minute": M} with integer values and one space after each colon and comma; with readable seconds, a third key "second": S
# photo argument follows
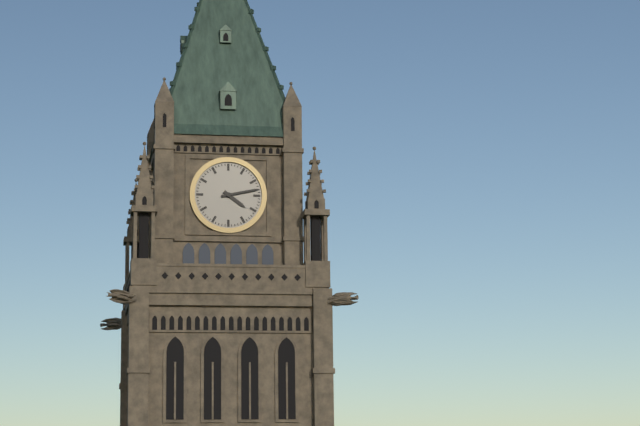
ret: {"hour": 4, "minute": 13}
